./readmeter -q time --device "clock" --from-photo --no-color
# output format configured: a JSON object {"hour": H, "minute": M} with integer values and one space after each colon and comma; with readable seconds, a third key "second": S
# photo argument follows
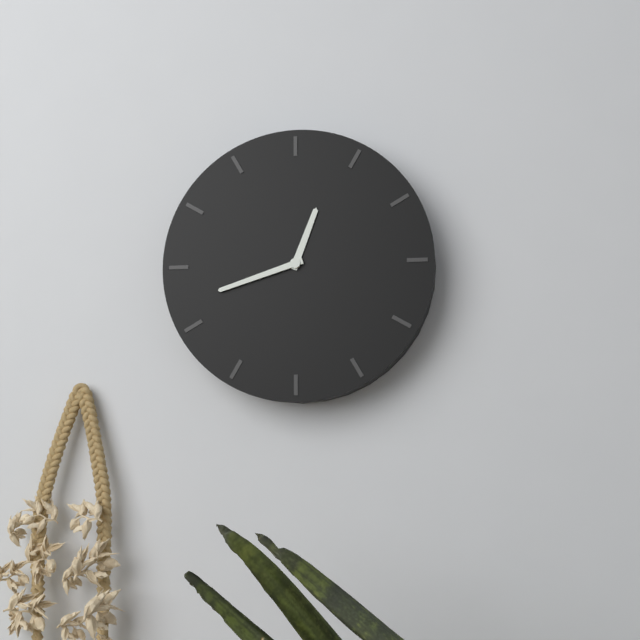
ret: {"hour": 12, "minute": 42}
